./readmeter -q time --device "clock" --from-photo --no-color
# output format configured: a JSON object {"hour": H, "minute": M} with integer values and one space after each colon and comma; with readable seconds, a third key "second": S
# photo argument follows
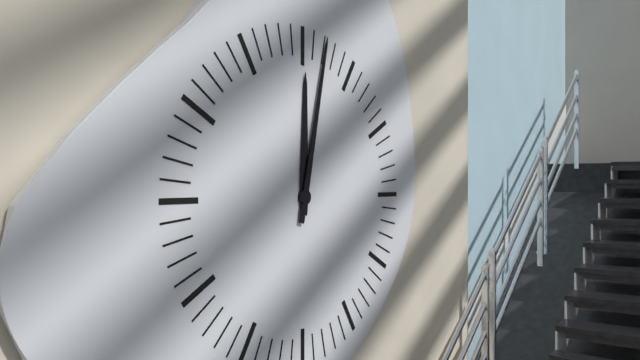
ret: {"hour": 12, "minute": 2}
